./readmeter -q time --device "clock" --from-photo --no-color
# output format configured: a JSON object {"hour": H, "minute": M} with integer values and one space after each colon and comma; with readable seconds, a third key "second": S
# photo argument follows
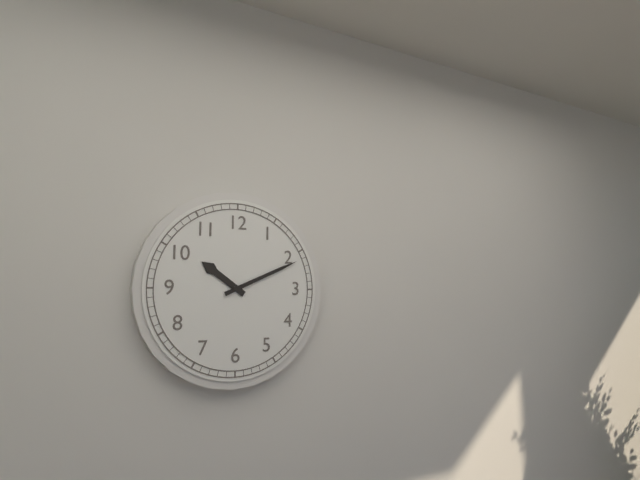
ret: {"hour": 10, "minute": 11}
